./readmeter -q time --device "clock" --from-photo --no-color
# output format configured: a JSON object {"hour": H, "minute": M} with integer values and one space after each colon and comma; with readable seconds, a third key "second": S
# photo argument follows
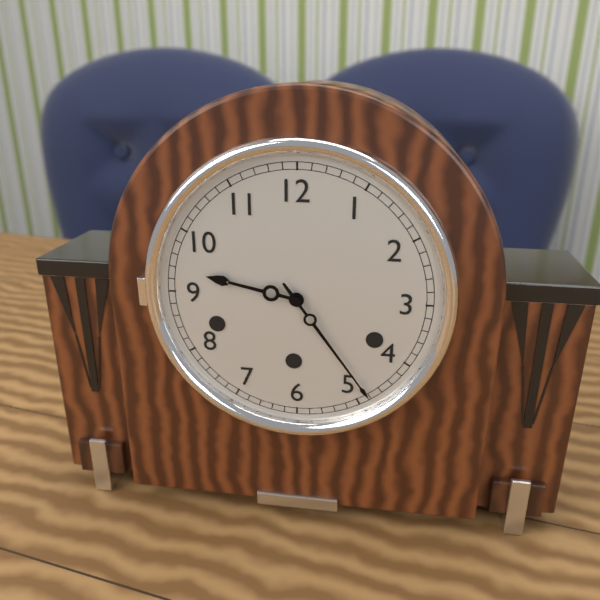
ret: {"hour": 9, "minute": 24}
